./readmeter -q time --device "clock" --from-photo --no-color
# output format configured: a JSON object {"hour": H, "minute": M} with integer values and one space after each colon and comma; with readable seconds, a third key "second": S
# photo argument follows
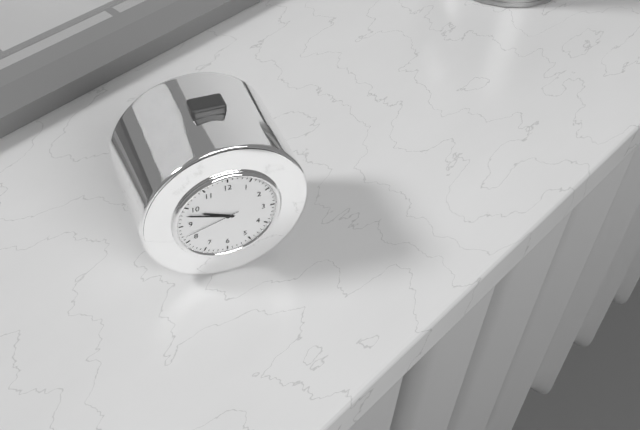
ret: {"hour": 9, "minute": 48, "second": 42}
